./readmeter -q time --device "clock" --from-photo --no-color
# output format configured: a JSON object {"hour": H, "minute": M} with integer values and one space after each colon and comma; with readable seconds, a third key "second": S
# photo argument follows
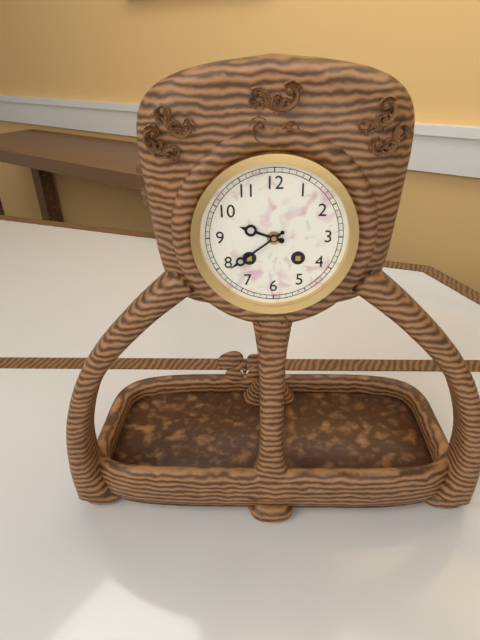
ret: {"hour": 9, "minute": 39}
